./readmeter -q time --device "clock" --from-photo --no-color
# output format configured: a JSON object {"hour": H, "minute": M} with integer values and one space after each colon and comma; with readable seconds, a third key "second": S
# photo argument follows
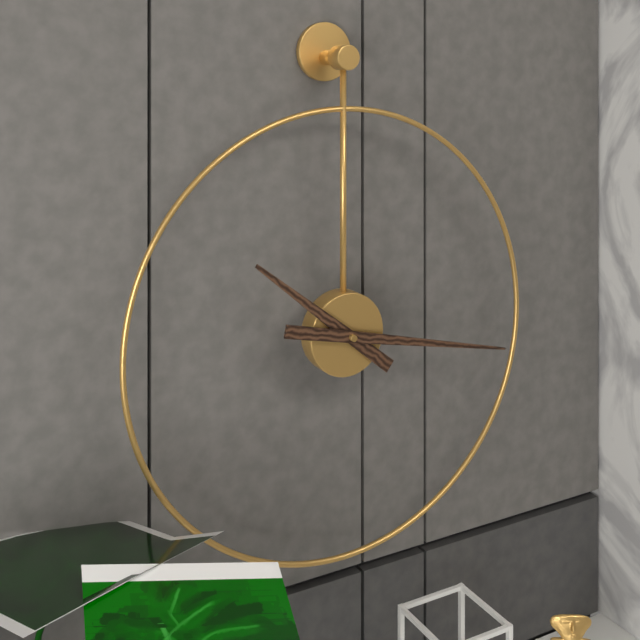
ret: {"hour": 10, "minute": 17}
